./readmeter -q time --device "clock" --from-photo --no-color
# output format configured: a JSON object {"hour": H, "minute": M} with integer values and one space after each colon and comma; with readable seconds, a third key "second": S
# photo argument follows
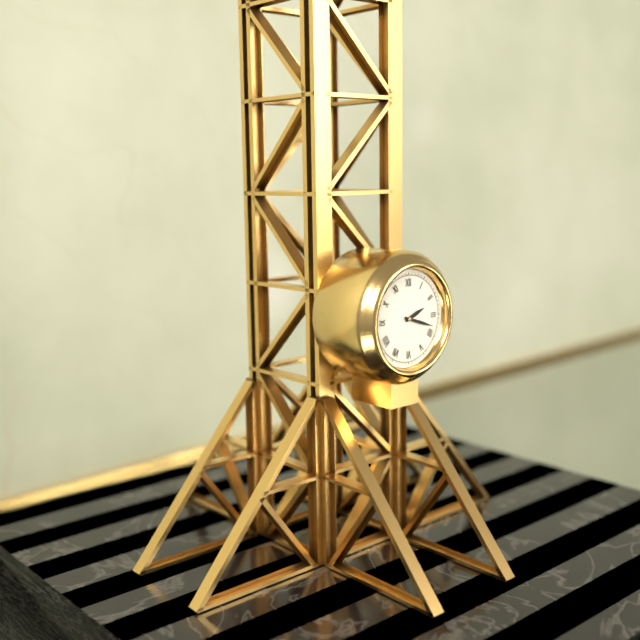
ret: {"hour": 2, "minute": 18}
